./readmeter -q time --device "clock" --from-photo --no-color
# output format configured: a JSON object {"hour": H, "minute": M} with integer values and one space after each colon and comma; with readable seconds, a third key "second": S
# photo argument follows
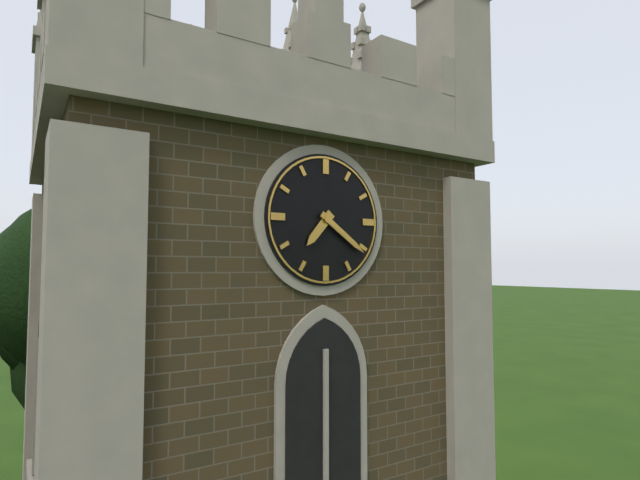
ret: {"hour": 7, "minute": 21}
